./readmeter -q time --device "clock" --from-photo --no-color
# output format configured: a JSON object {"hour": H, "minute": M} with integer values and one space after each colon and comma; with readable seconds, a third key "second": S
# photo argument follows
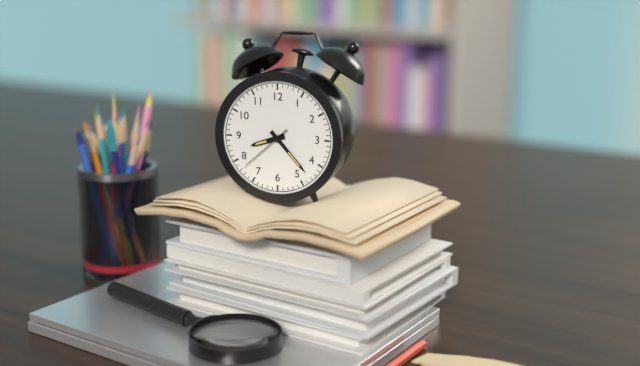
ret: {"hour": 8, "minute": 23, "second": 38}
